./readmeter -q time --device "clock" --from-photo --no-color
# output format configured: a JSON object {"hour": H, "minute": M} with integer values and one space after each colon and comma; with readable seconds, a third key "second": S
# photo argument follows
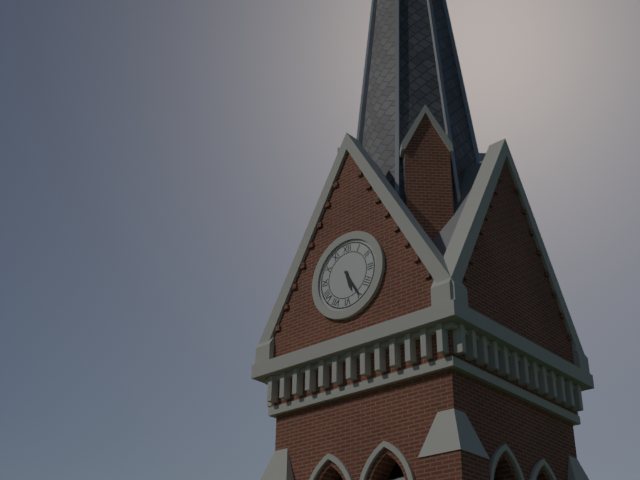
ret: {"hour": 5, "minute": 25}
